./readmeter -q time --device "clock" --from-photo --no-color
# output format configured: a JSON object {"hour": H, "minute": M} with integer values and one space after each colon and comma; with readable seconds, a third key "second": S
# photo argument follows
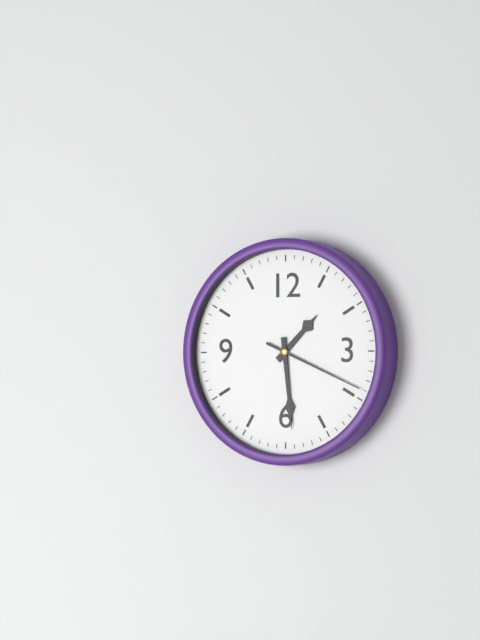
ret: {"hour": 1, "minute": 29, "second": 19}
